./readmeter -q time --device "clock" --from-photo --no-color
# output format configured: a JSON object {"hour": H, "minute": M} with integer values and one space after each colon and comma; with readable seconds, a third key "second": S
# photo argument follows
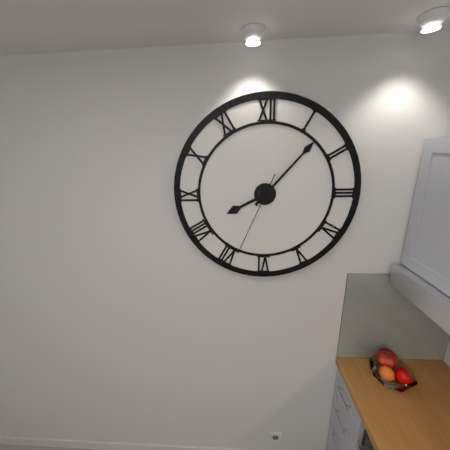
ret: {"hour": 8, "minute": 7, "second": 34}
